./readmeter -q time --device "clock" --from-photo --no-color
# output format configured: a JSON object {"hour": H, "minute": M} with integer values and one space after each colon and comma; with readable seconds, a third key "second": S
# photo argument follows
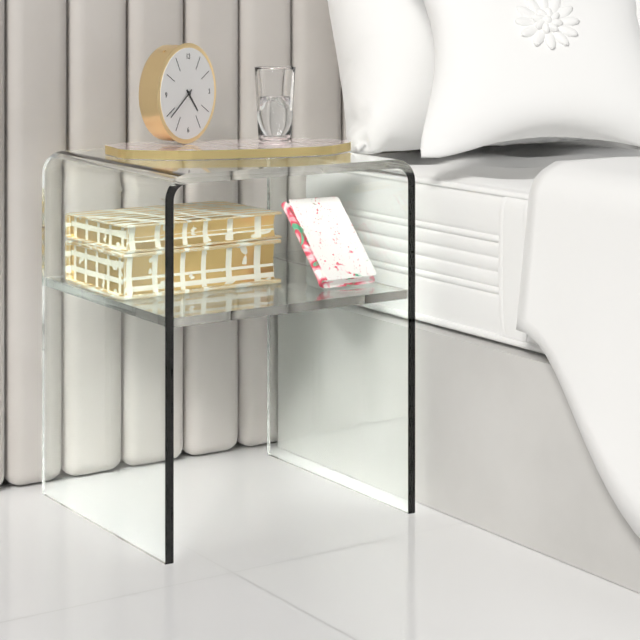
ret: {"hour": 4, "minute": 39}
